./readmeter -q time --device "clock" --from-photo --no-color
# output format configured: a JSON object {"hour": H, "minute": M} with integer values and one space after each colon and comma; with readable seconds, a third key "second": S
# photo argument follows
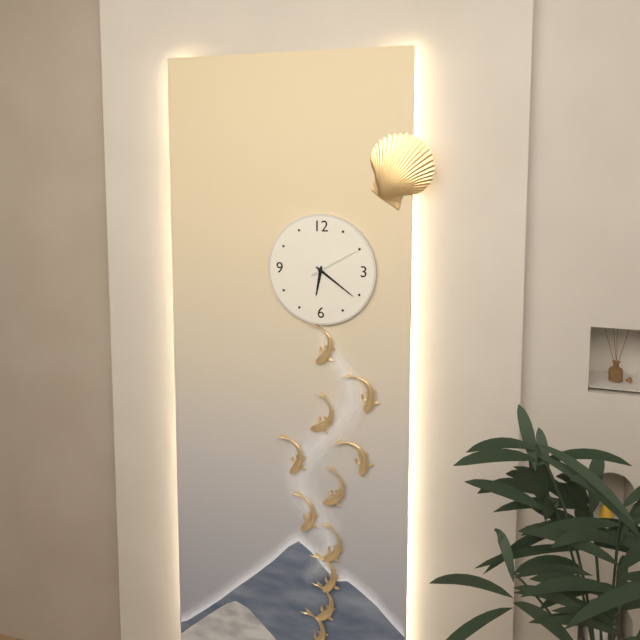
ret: {"hour": 6, "minute": 21, "second": 10}
